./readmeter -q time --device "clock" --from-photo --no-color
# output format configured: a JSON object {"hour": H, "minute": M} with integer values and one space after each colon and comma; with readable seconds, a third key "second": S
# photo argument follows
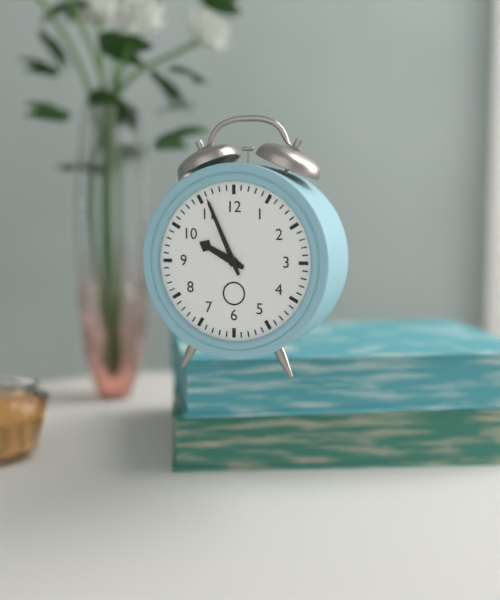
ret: {"hour": 9, "minute": 56}
